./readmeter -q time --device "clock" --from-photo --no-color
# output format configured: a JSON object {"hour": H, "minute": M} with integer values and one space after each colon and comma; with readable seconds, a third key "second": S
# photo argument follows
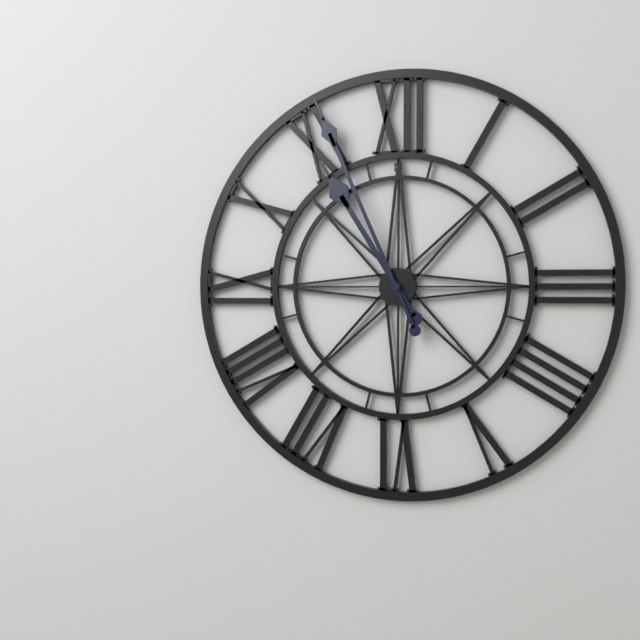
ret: {"hour": 10, "minute": 56}
